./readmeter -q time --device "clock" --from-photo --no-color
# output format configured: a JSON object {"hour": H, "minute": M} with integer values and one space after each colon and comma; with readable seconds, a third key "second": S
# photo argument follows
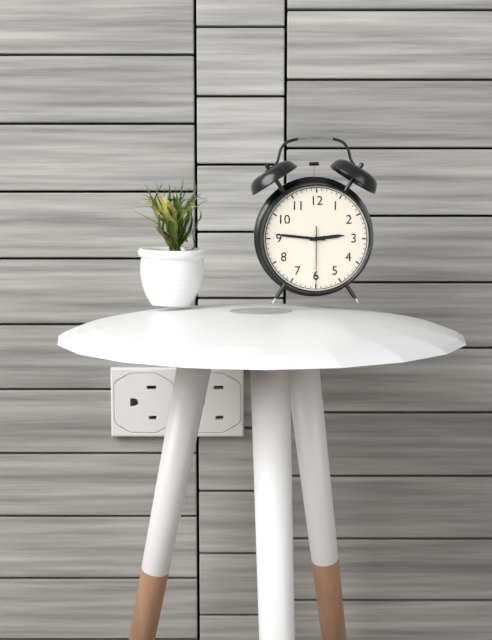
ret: {"hour": 2, "minute": 46, "second": 30}
